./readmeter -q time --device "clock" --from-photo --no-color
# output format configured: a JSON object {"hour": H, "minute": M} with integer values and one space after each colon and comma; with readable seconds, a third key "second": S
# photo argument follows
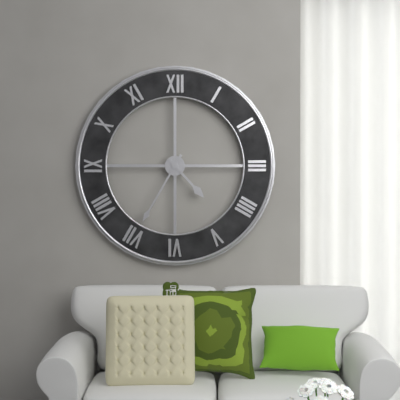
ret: {"hour": 4, "minute": 35}
